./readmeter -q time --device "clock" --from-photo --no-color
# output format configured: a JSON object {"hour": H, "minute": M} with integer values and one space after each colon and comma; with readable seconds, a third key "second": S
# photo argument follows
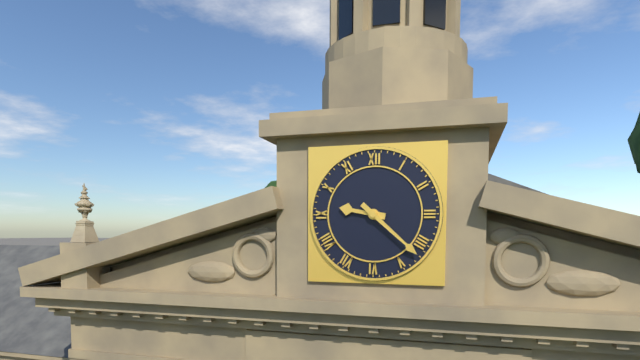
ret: {"hour": 9, "minute": 22}
